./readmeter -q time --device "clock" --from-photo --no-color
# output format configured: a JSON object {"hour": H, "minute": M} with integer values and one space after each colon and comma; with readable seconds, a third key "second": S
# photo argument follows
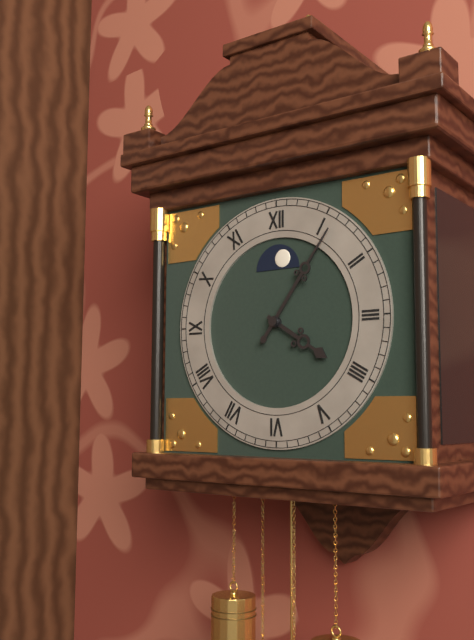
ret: {"hour": 4, "minute": 6}
